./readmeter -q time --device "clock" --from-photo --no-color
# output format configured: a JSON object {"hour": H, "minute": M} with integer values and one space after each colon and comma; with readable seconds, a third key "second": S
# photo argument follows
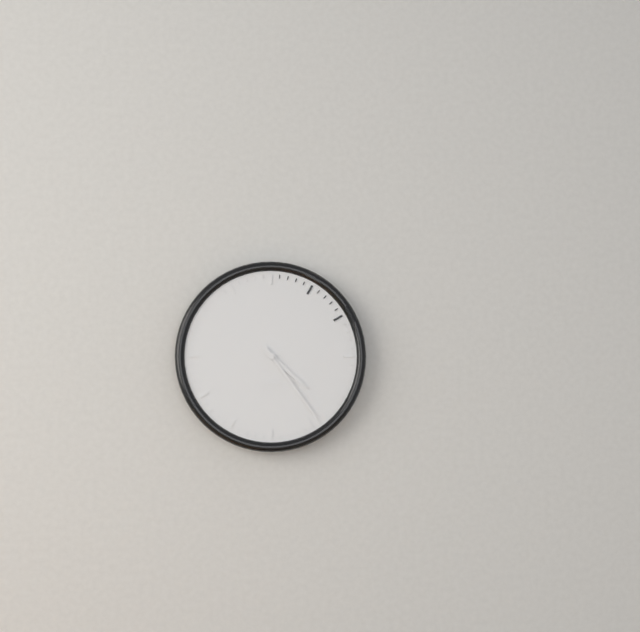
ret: {"hour": 4, "minute": 24}
